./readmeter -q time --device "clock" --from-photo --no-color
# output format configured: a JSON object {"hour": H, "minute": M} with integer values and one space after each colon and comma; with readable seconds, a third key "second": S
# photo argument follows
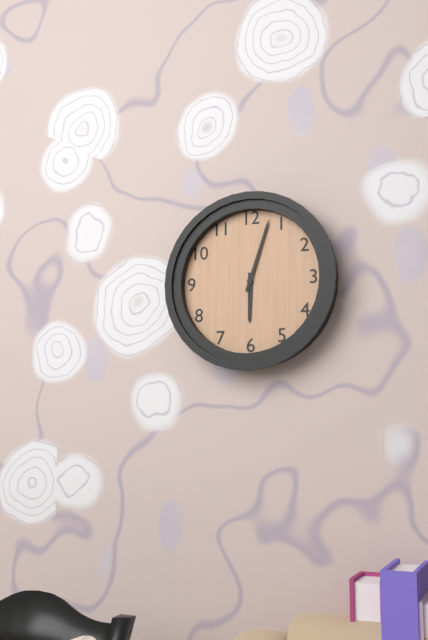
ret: {"hour": 6, "minute": 3}
